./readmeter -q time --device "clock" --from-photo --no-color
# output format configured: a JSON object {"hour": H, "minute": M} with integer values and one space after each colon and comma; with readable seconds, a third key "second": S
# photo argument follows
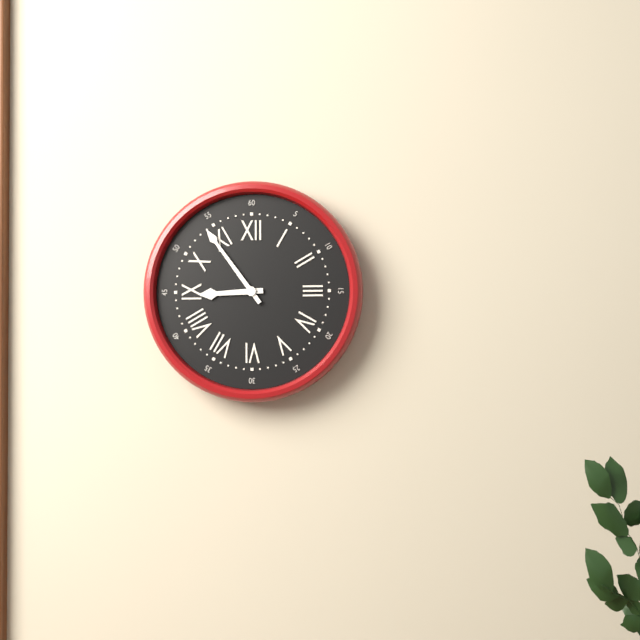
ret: {"hour": 8, "minute": 54}
